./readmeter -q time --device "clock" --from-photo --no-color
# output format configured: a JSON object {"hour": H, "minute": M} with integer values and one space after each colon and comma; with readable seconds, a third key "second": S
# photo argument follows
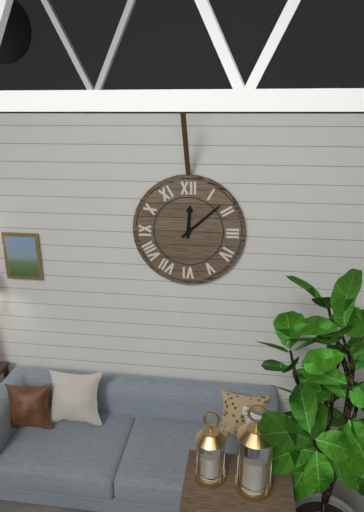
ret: {"hour": 12, "minute": 8}
